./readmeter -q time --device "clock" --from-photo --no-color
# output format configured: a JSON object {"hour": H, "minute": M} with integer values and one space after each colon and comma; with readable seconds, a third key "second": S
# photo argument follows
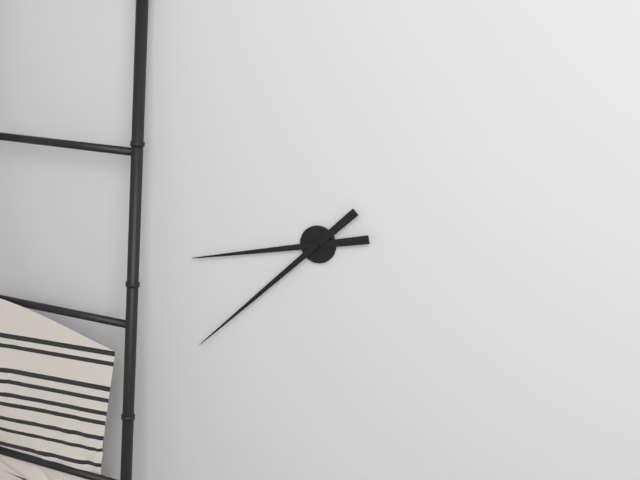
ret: {"hour": 8, "minute": 38}
